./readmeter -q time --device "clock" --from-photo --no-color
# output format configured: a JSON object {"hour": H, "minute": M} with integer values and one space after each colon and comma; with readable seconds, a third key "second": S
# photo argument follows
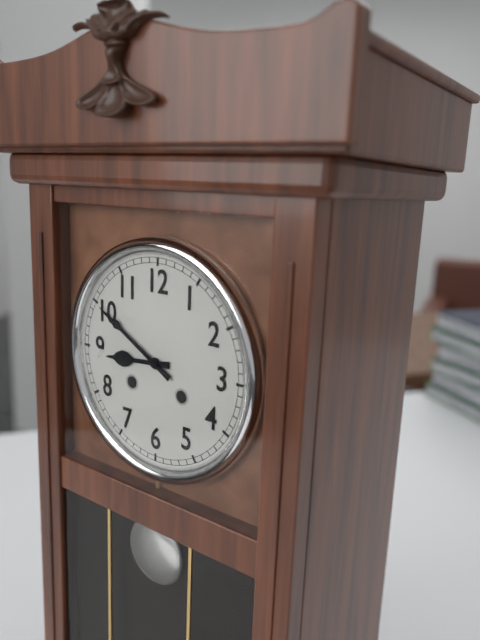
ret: {"hour": 8, "minute": 50}
